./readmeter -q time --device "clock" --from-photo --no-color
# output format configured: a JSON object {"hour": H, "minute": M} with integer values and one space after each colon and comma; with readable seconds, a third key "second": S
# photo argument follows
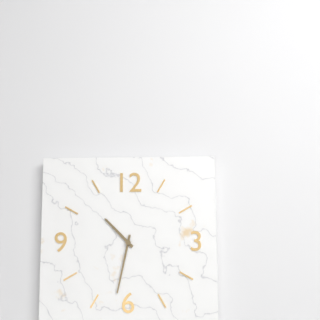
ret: {"hour": 10, "minute": 32}
